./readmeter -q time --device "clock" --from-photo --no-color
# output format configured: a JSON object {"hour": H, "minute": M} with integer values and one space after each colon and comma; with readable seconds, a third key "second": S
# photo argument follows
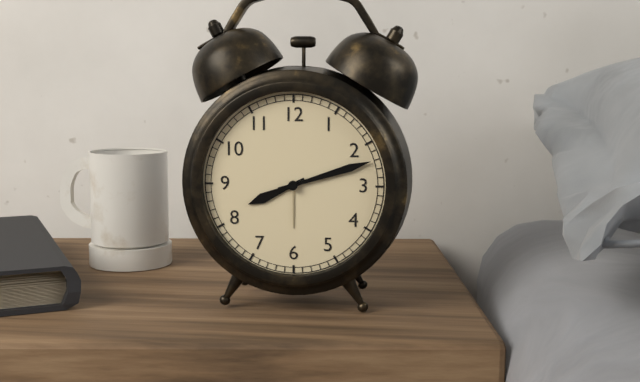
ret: {"hour": 8, "minute": 12}
